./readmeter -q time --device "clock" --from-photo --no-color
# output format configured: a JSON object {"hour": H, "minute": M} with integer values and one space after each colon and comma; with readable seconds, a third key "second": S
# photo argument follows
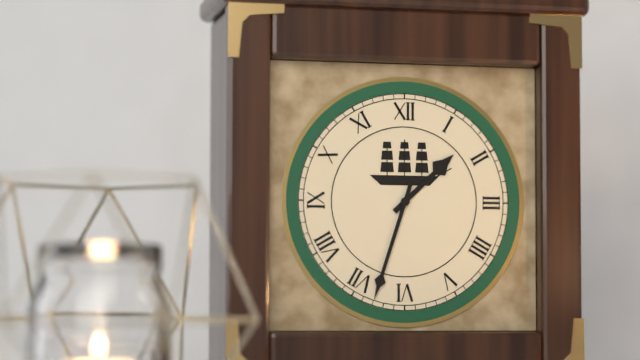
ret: {"hour": 1, "minute": 33}
